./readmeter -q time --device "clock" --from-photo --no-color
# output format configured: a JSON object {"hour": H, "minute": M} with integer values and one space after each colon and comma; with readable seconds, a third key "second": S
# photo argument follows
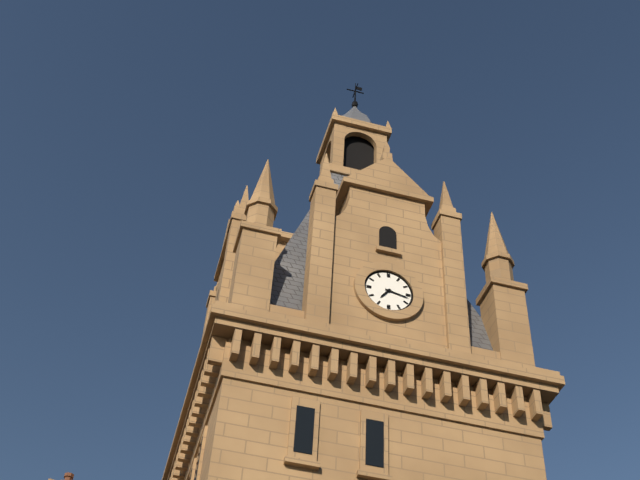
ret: {"hour": 7, "minute": 17}
